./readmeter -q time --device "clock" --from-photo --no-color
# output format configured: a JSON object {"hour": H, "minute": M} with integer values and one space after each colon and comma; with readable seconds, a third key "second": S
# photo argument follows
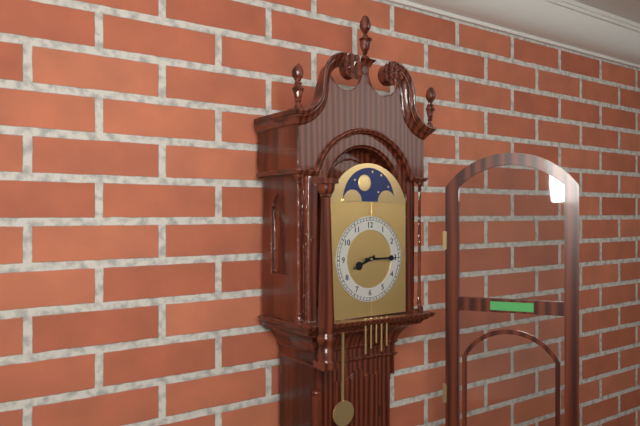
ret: {"hour": 8, "minute": 15}
